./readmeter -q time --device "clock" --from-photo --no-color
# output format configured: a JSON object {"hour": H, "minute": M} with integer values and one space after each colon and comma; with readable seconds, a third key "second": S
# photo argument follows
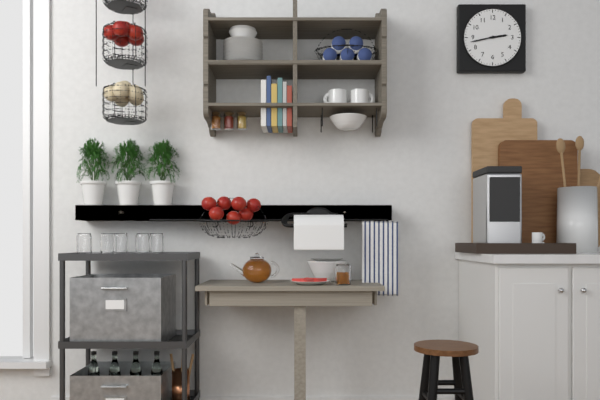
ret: {"hour": 2, "minute": 43}
